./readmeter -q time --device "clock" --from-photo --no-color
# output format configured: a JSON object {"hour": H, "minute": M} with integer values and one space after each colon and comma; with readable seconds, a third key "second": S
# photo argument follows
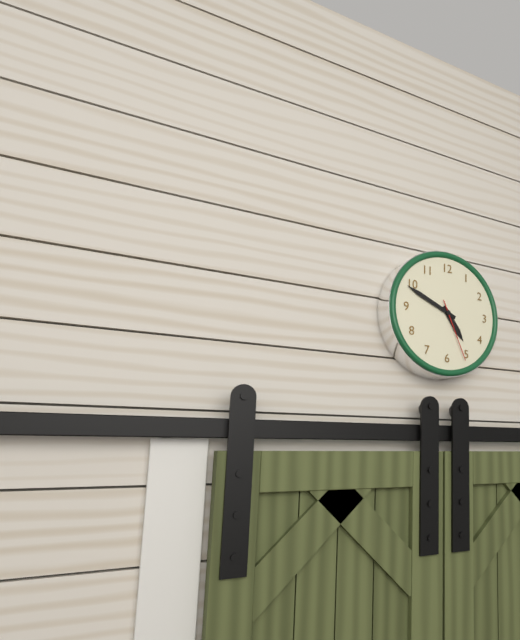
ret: {"hour": 4, "minute": 49, "second": 26}
